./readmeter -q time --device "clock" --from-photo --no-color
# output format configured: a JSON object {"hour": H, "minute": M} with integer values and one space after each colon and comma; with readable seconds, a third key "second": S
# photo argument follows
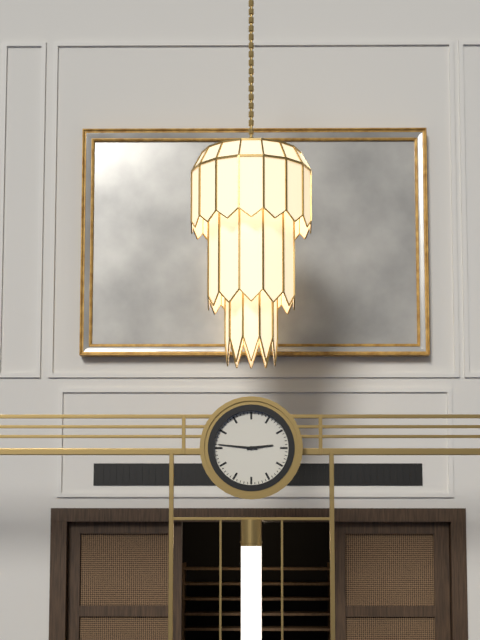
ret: {"hour": 2, "minute": 46}
